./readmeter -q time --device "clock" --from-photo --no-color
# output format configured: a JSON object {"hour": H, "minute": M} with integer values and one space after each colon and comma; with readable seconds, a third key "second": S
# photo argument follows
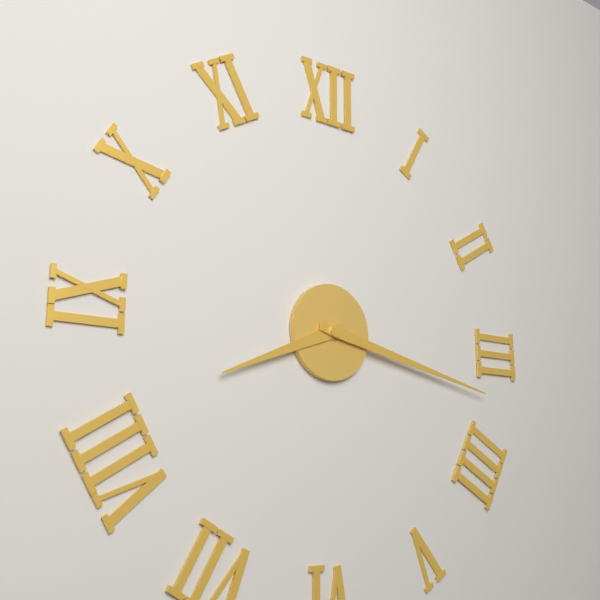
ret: {"hour": 8, "minute": 17}
